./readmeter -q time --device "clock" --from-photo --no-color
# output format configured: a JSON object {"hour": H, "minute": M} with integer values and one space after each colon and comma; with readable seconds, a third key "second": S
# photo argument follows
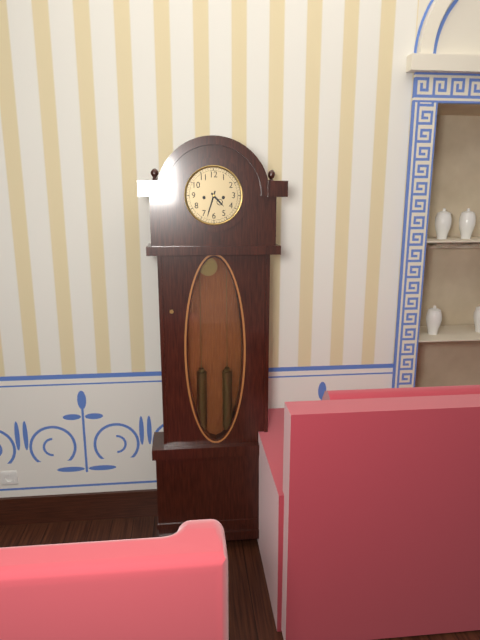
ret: {"hour": 4, "minute": 33}
